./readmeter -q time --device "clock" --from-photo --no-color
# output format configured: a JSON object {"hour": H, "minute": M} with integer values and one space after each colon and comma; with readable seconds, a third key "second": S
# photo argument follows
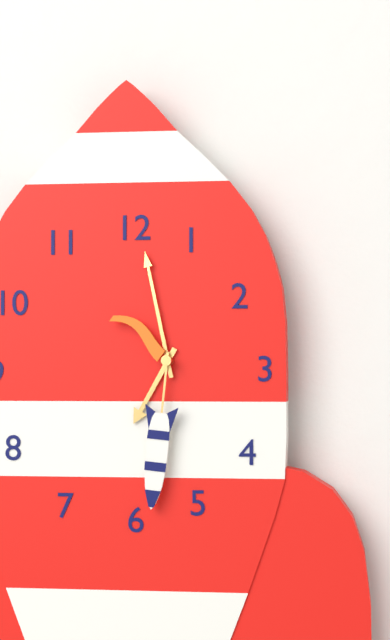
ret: {"hour": 6, "minute": 58, "second": 31}
